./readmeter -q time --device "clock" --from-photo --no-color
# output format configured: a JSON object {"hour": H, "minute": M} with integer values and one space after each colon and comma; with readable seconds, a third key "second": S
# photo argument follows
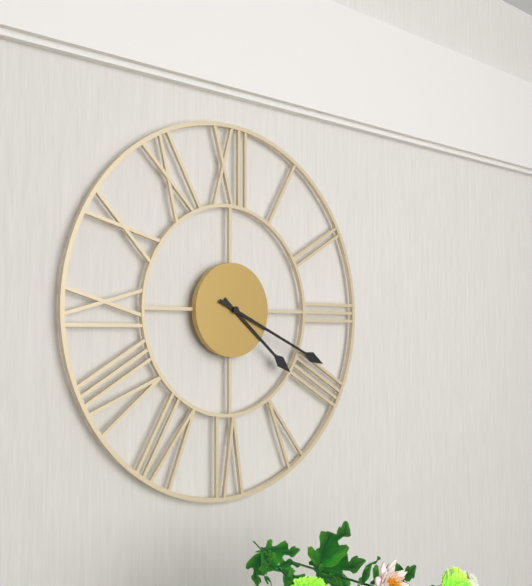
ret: {"hour": 4, "minute": 19}
